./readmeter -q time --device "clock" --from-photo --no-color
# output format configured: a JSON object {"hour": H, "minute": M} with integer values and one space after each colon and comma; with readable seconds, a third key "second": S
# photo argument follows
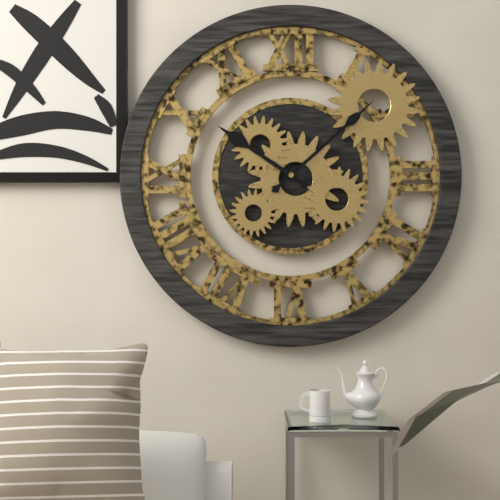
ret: {"hour": 10, "minute": 8}
